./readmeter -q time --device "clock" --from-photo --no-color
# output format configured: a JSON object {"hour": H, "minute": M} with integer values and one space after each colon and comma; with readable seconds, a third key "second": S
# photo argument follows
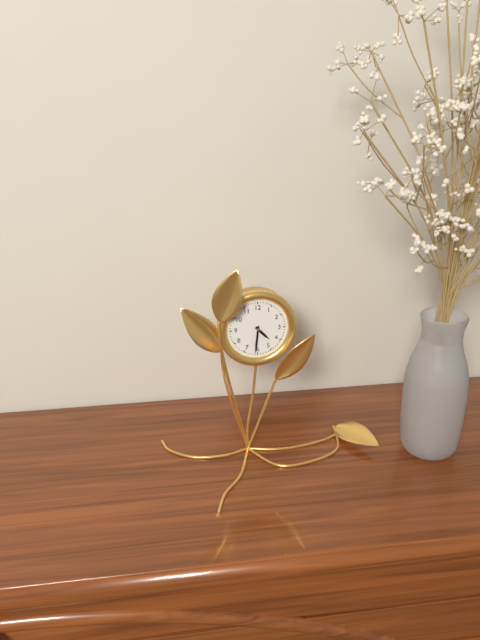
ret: {"hour": 4, "minute": 31}
